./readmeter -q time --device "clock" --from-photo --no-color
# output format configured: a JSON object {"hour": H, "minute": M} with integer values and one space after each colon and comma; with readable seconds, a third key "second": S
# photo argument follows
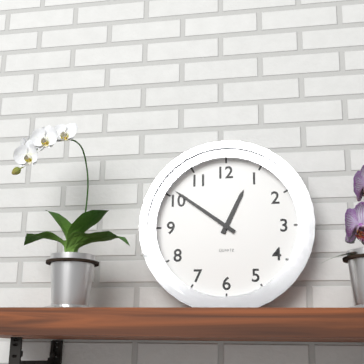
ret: {"hour": 12, "minute": 51}
